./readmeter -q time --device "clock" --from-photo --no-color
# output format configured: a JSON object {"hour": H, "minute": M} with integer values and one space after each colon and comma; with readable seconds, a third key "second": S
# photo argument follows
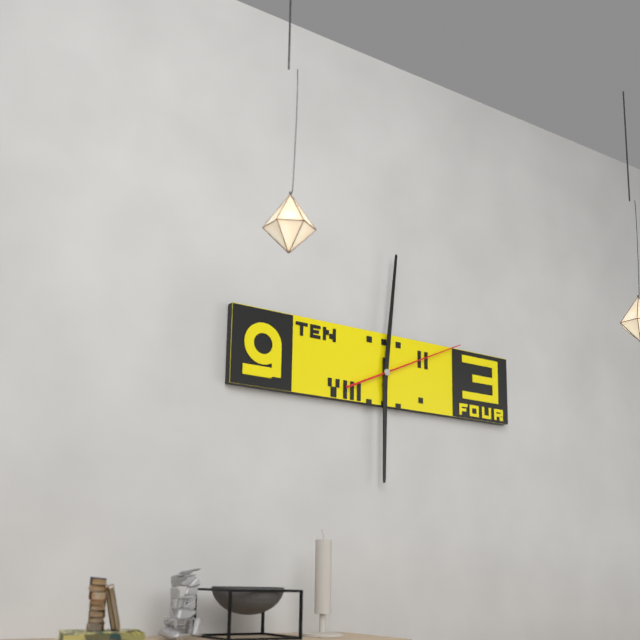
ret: {"hour": 6, "minute": 1, "second": 11}
